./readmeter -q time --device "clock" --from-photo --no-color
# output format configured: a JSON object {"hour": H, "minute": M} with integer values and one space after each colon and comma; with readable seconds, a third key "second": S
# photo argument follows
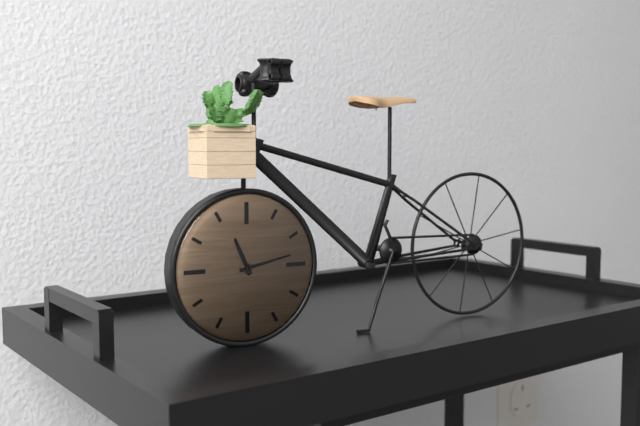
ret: {"hour": 11, "minute": 13}
